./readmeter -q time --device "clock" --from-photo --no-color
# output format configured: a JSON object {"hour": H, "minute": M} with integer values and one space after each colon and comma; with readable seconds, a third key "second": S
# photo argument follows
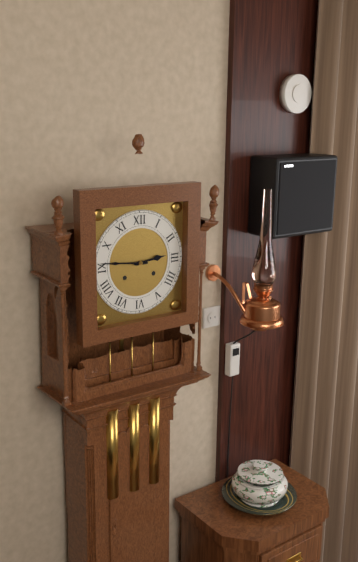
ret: {"hour": 2, "minute": 46}
